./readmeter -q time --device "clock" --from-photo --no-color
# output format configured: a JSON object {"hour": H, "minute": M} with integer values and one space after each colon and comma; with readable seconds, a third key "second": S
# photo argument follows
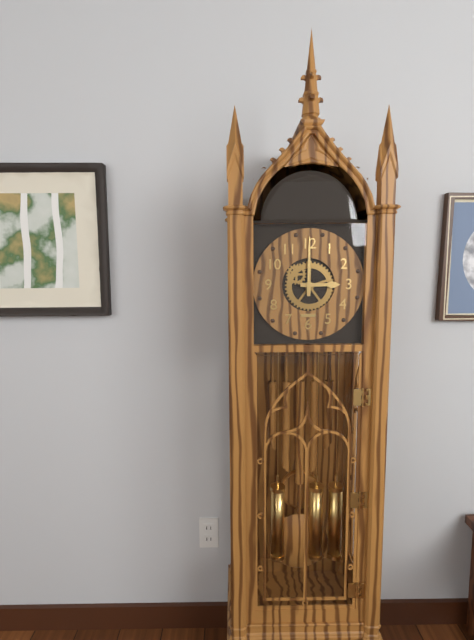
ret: {"hour": 3, "minute": 0}
